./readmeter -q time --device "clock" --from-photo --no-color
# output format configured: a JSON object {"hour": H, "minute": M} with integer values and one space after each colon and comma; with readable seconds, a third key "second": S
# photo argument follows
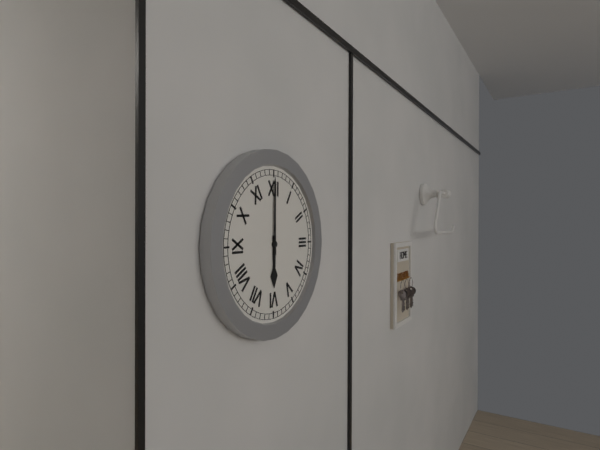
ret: {"hour": 6, "minute": 0}
